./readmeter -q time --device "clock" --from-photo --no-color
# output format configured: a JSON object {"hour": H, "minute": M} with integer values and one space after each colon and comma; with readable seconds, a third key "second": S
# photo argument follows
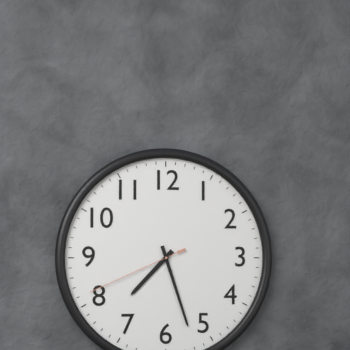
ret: {"hour": 7, "minute": 27, "second": 41}
